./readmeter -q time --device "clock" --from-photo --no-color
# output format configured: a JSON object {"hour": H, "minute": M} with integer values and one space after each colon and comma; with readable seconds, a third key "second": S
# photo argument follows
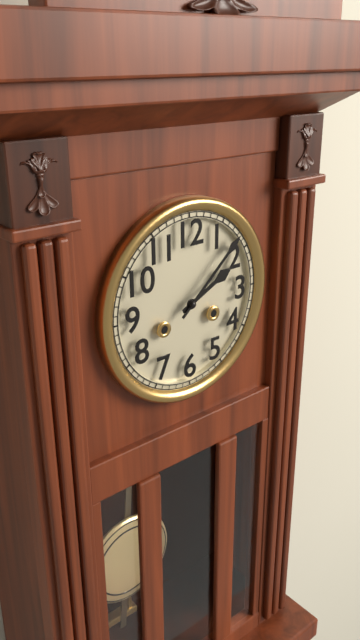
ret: {"hour": 2, "minute": 8}
